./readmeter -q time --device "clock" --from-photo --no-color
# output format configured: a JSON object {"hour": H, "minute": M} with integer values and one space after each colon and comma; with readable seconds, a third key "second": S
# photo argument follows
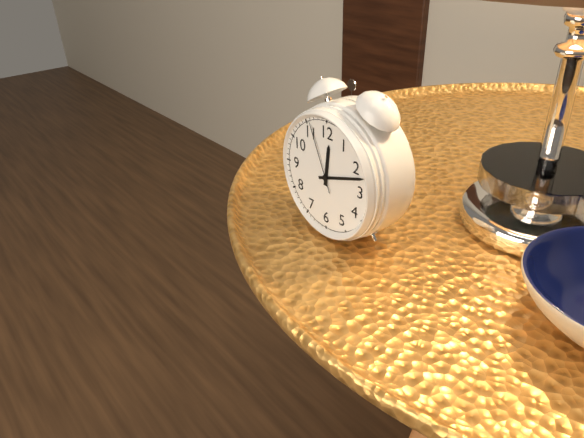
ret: {"hour": 12, "minute": 12, "second": 56}
